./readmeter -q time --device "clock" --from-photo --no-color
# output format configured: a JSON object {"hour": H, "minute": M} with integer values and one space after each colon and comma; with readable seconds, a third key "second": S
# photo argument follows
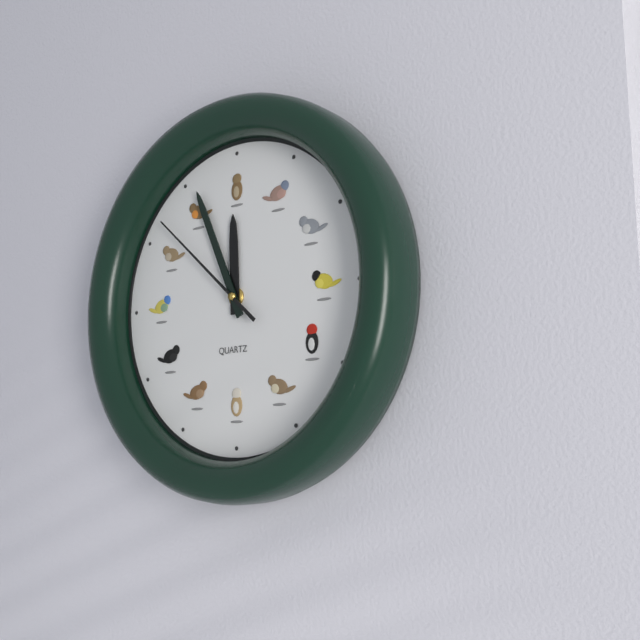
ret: {"hour": 11, "minute": 56, "second": 52}
